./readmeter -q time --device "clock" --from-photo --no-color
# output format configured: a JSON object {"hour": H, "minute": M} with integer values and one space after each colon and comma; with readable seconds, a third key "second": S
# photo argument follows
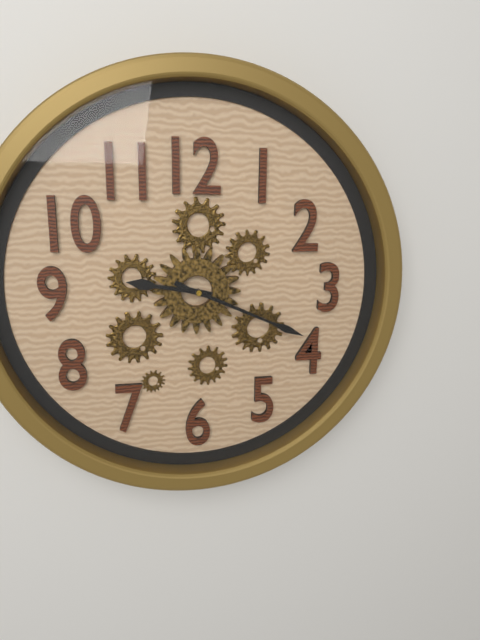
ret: {"hour": 9, "minute": 19}
